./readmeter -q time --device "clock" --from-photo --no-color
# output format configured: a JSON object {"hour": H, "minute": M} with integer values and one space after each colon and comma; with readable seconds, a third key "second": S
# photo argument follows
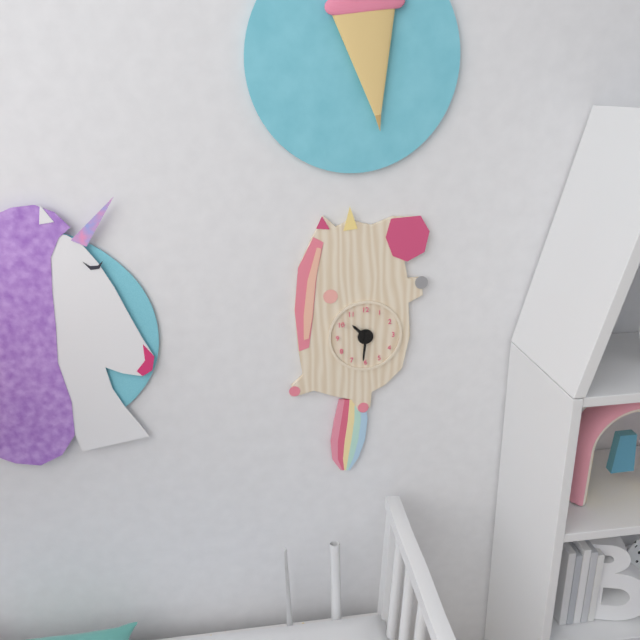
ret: {"hour": 10, "minute": 31}
